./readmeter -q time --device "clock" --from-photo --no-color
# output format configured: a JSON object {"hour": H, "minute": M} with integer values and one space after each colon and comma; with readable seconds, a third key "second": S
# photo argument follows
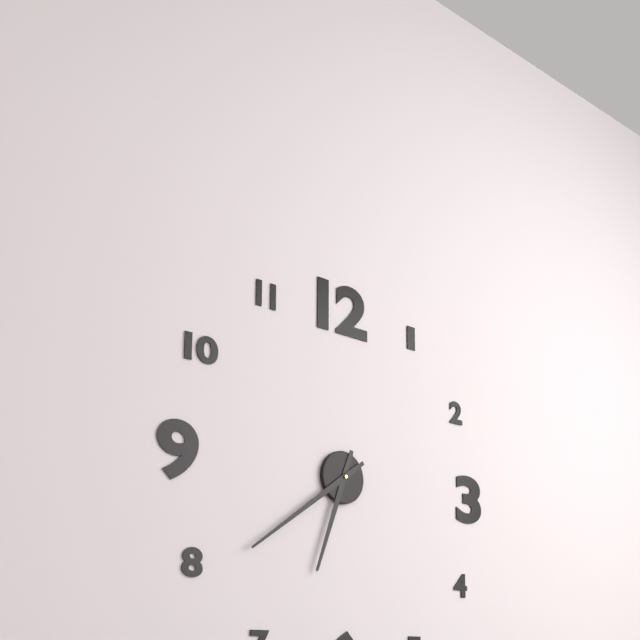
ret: {"hour": 6, "minute": 39}
